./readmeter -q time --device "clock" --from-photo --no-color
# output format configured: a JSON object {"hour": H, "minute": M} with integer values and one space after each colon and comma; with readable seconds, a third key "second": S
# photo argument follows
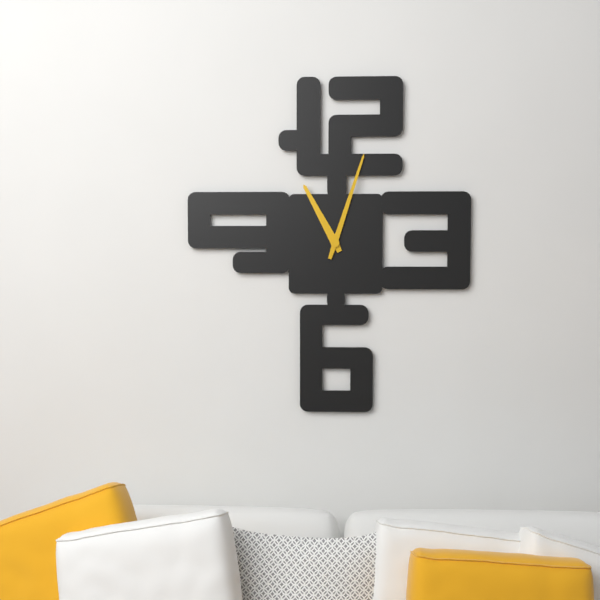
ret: {"hour": 11, "minute": 3}
